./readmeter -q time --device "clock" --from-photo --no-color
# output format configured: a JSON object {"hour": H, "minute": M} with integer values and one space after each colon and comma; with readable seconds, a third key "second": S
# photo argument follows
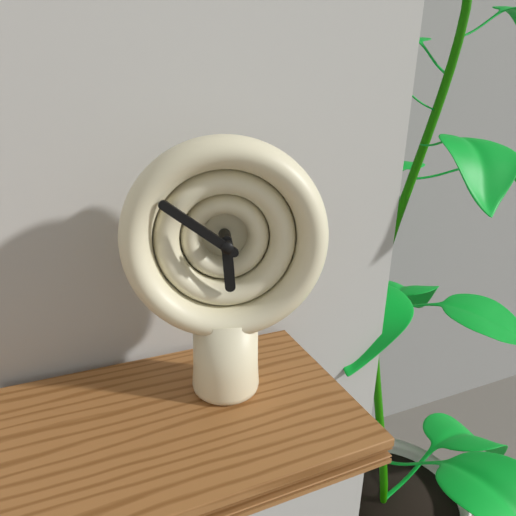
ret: {"hour": 5, "minute": 51}
